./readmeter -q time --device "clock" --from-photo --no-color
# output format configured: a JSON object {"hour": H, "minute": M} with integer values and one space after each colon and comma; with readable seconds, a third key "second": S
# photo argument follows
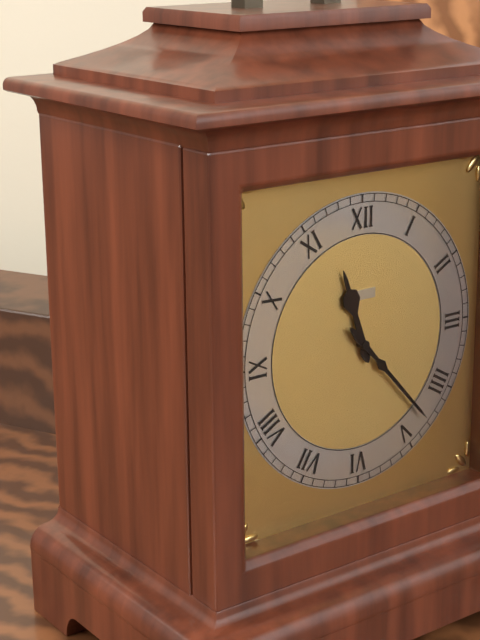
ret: {"hour": 11, "minute": 23}
